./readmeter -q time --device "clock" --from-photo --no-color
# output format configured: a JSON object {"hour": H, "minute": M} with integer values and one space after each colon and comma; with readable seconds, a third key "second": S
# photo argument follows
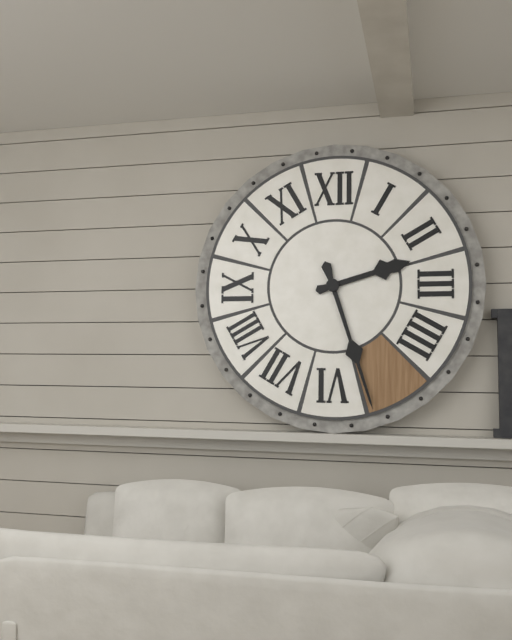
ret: {"hour": 2, "minute": 27}
